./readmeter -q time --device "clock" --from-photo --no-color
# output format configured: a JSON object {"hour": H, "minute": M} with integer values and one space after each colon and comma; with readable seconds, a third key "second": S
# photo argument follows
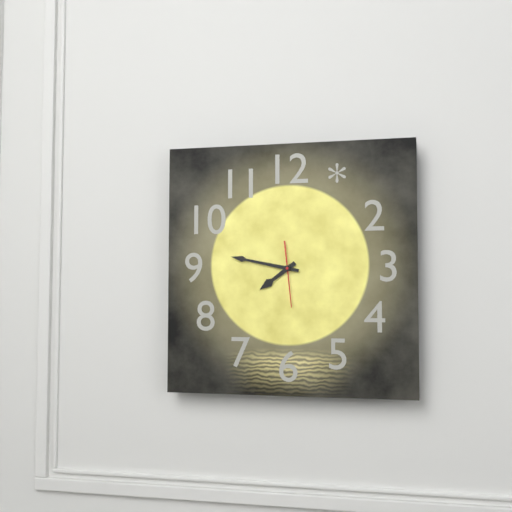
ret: {"hour": 7, "minute": 47}
